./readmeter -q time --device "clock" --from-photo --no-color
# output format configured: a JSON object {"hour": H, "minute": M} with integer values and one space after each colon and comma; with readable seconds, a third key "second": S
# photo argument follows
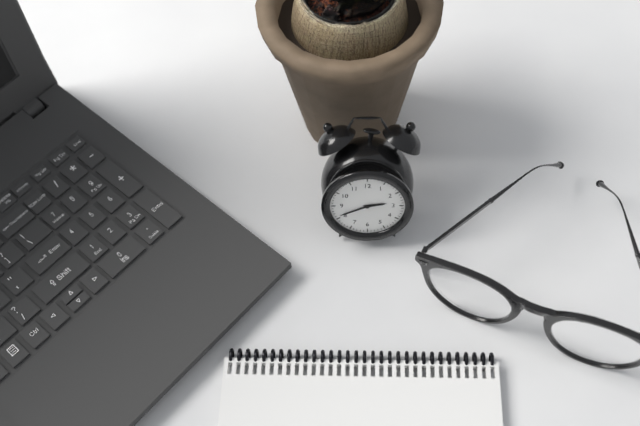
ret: {"hour": 2, "minute": 41}
